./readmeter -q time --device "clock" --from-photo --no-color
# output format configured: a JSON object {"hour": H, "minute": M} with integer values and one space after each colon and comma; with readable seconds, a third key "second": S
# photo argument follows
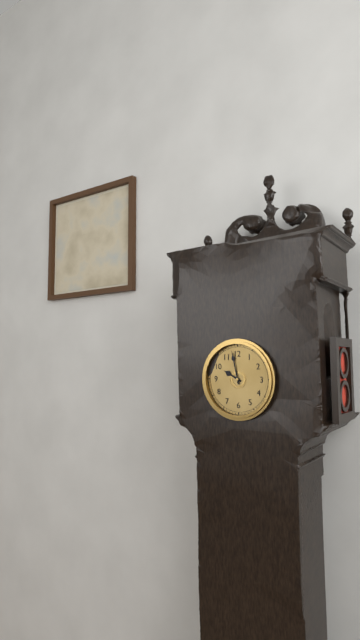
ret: {"hour": 9, "minute": 58}
